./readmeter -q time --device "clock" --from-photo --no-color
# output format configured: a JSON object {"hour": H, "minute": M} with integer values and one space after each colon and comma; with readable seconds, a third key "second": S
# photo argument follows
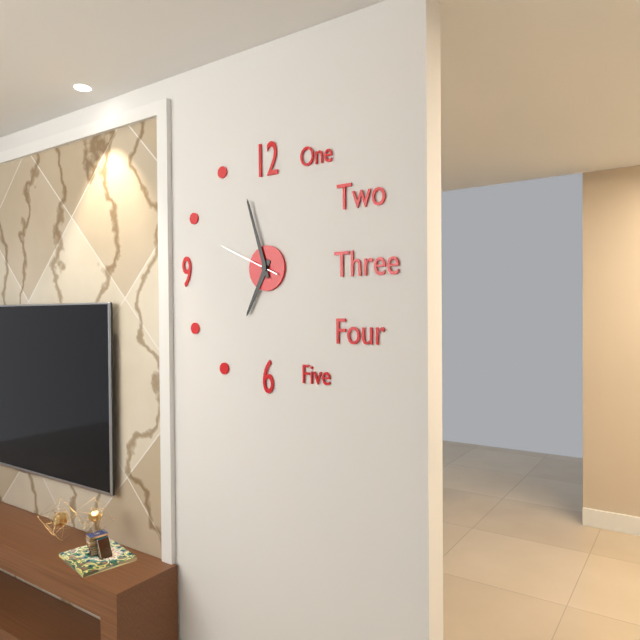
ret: {"hour": 6, "minute": 57, "second": 49}
